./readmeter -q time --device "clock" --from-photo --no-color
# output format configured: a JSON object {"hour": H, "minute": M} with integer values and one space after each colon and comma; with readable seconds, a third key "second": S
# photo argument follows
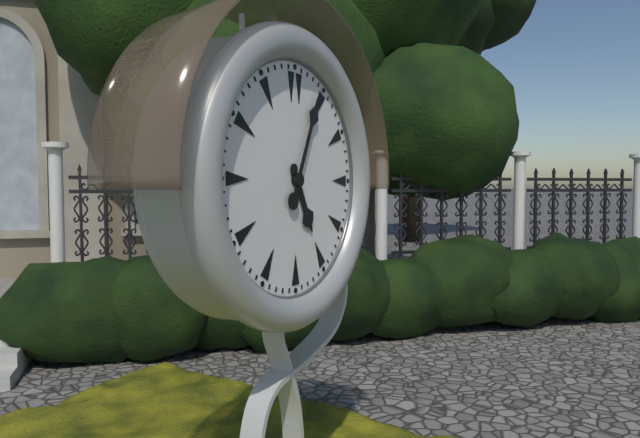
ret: {"hour": 5, "minute": 4}
